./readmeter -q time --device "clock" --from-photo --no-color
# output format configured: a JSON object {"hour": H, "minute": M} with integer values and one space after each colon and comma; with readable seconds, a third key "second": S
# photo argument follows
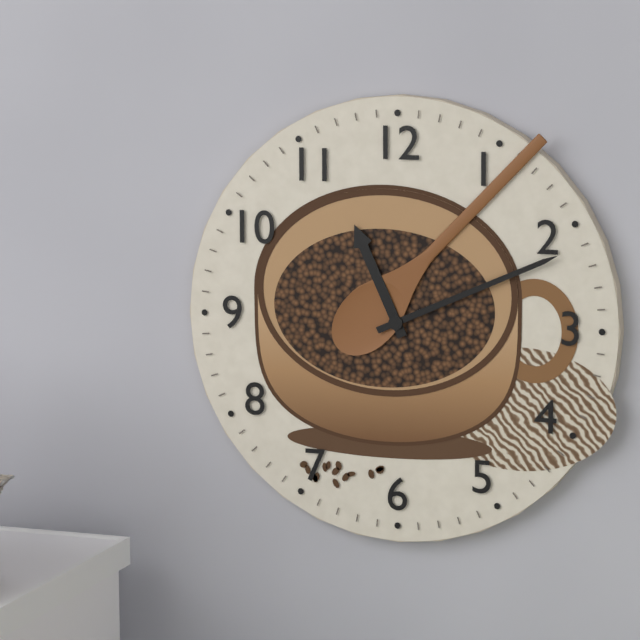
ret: {"hour": 11, "minute": 11}
